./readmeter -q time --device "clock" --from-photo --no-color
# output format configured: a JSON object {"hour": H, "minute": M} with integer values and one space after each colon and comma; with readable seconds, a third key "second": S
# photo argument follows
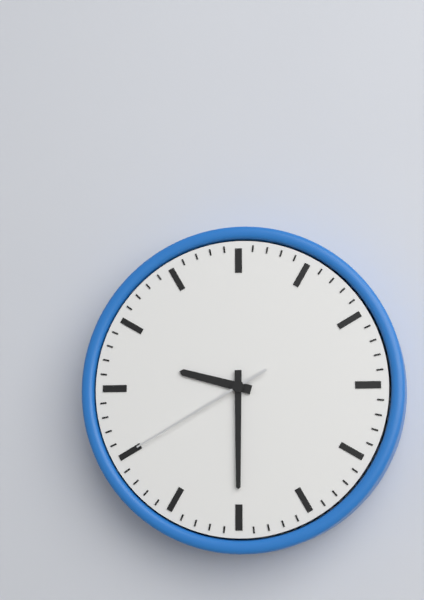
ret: {"hour": 9, "minute": 30, "second": 40}
